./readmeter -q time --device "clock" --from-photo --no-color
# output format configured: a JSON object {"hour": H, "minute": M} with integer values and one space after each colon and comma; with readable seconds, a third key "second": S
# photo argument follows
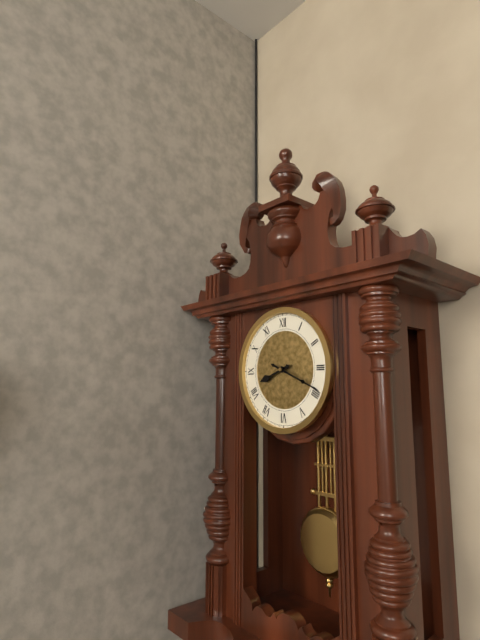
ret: {"hour": 8, "minute": 19}
